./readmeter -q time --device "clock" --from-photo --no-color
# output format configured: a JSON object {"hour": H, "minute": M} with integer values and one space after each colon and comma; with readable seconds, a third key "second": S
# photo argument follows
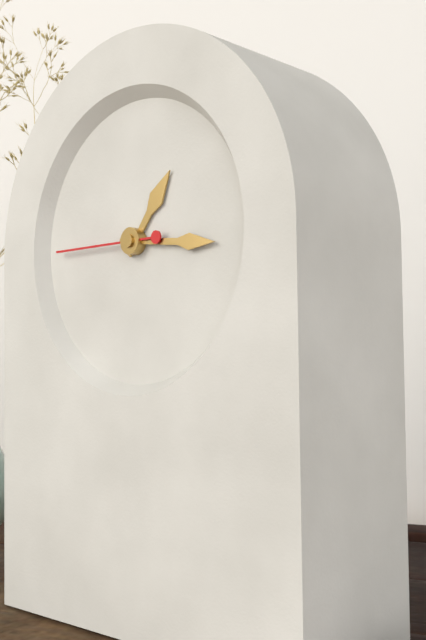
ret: {"hour": 1, "minute": 16, "second": 45}
